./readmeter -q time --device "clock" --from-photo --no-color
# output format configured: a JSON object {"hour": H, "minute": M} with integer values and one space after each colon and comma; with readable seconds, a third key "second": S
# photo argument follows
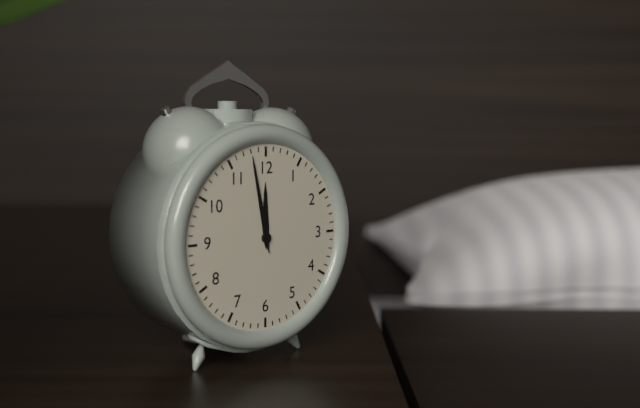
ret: {"hour": 11, "minute": 58}
